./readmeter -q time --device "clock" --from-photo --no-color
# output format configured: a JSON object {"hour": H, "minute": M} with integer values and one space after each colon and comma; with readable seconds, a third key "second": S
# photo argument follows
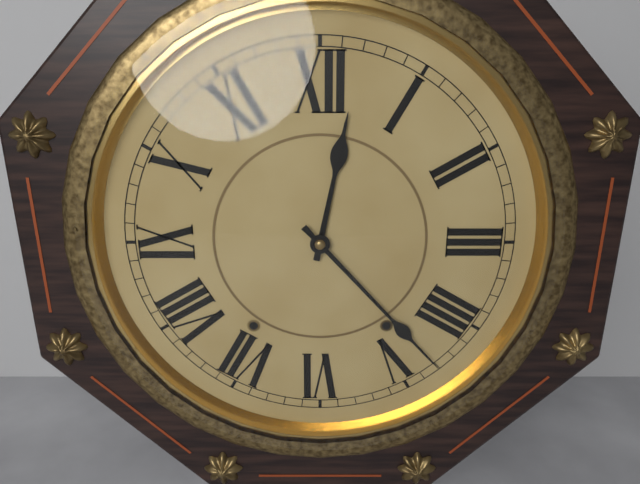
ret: {"hour": 12, "minute": 23}
